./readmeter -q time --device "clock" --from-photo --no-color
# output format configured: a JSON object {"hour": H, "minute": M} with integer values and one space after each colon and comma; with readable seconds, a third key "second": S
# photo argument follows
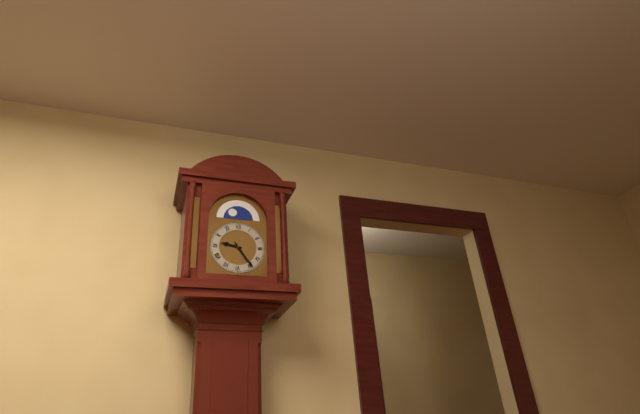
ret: {"hour": 9, "minute": 24}
